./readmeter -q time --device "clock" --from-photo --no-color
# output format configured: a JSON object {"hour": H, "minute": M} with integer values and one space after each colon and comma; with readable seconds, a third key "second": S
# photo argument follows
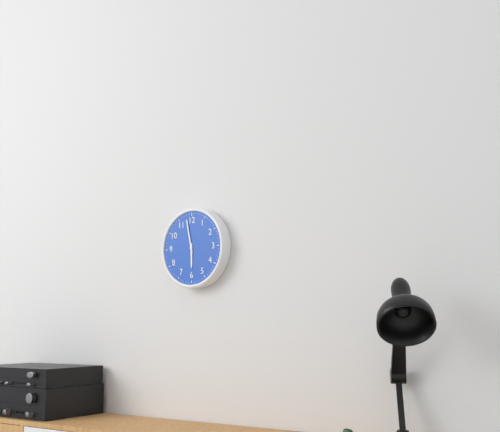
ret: {"hour": 5, "minute": 58}
